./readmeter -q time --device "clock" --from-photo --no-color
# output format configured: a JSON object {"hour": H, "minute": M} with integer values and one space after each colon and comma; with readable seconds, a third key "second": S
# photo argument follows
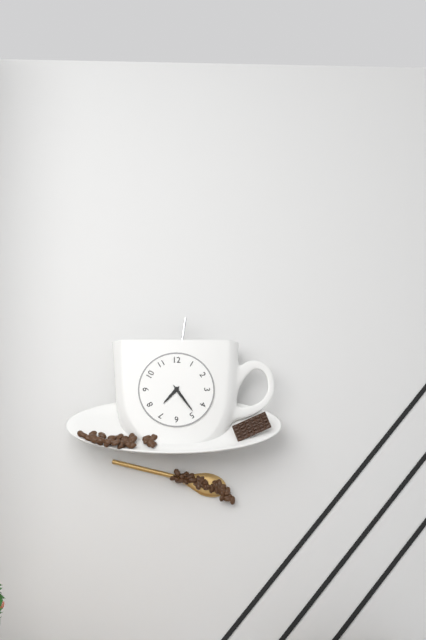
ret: {"hour": 7, "minute": 24}
